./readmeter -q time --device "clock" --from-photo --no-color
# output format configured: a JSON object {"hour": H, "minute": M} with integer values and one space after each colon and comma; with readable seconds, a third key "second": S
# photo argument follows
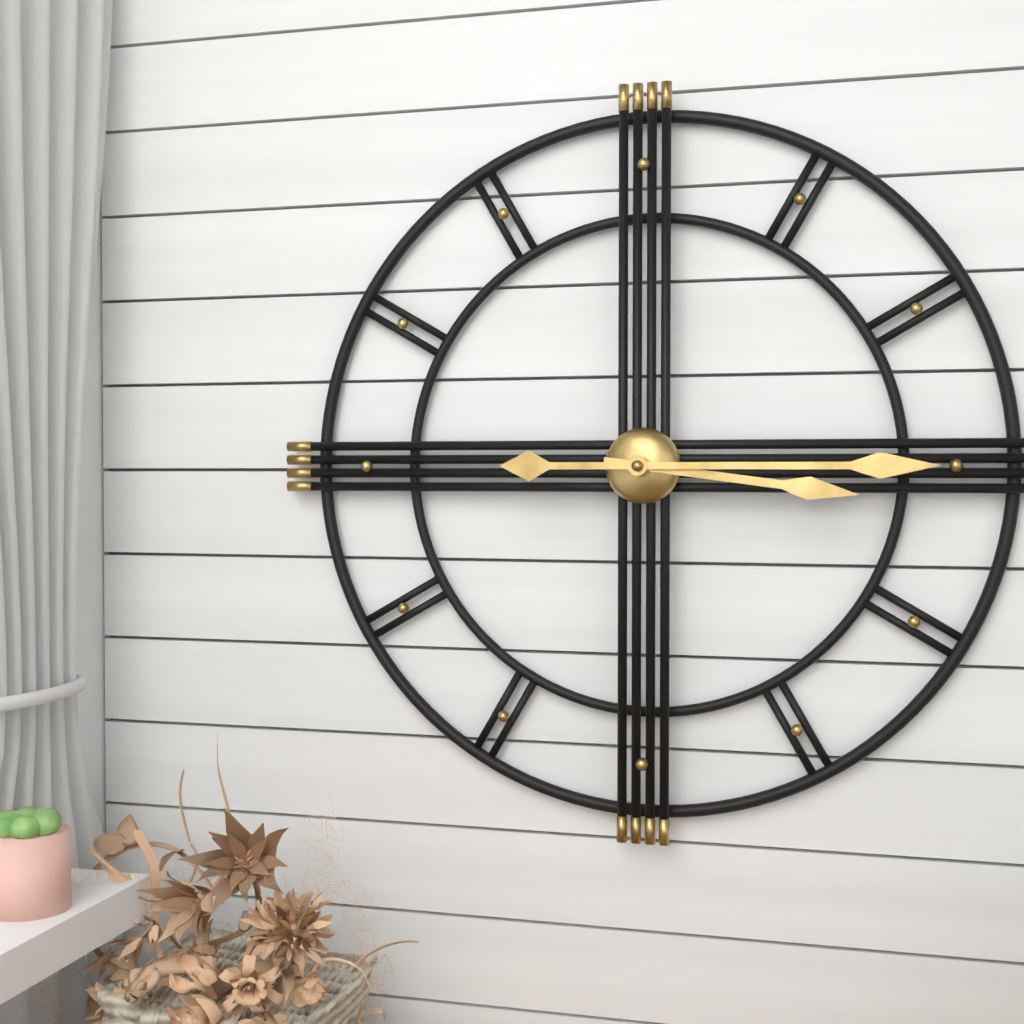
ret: {"hour": 3, "minute": 15}
